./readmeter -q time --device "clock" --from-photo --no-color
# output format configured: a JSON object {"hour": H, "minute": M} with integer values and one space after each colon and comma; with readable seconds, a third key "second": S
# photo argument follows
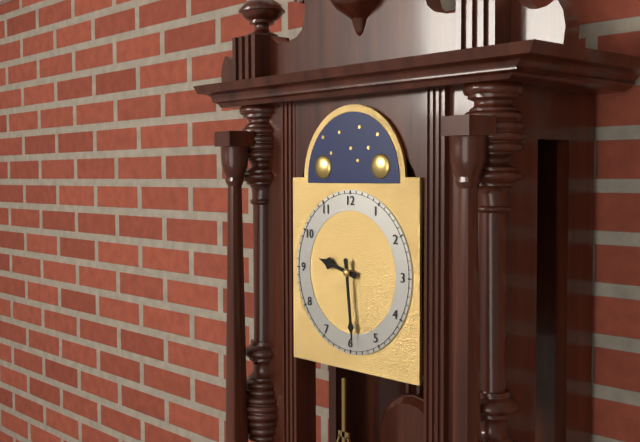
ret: {"hour": 9, "minute": 29}
